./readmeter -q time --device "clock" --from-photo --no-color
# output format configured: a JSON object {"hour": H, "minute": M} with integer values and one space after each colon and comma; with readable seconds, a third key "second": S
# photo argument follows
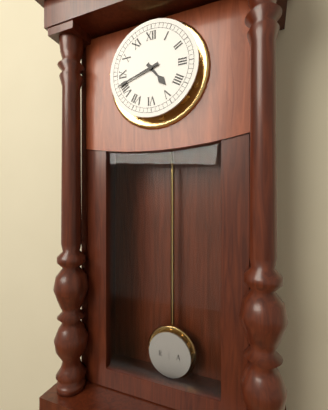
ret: {"hour": 4, "minute": 42}
